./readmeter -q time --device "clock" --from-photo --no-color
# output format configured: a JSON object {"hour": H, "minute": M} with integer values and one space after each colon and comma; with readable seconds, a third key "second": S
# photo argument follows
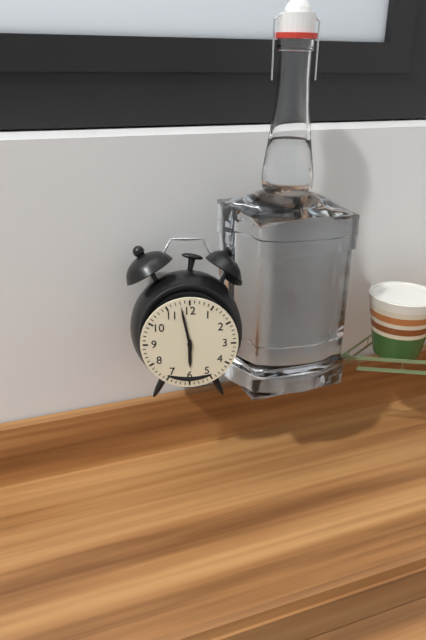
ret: {"hour": 5, "minute": 58}
